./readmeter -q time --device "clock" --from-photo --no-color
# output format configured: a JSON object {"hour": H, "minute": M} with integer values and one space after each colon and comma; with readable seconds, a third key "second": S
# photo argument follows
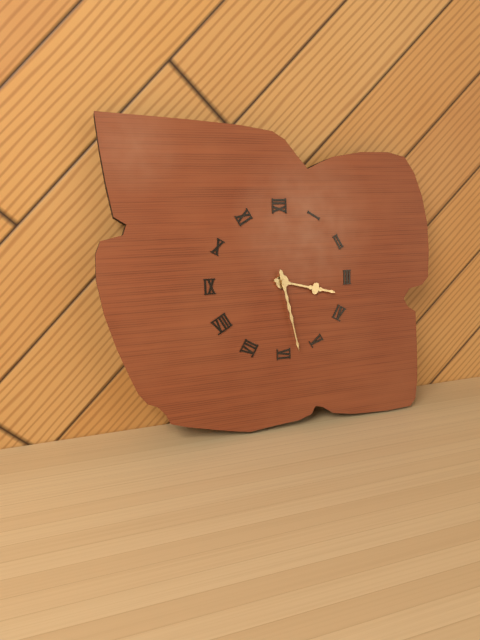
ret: {"hour": 3, "minute": 28}
